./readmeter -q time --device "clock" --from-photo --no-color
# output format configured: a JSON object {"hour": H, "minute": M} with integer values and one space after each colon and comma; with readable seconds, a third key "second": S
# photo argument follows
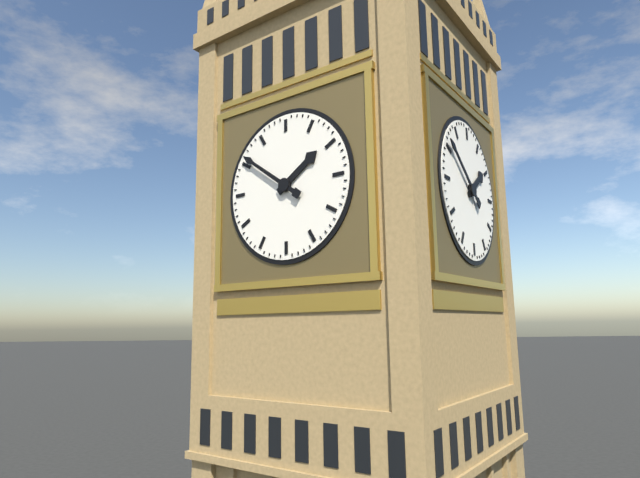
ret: {"hour": 1, "minute": 51}
